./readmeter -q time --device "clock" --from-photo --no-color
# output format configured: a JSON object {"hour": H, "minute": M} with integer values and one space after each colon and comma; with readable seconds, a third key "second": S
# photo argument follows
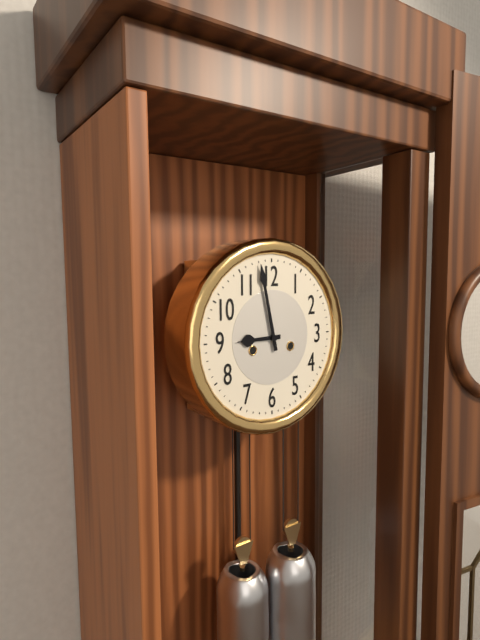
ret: {"hour": 8, "minute": 58}
